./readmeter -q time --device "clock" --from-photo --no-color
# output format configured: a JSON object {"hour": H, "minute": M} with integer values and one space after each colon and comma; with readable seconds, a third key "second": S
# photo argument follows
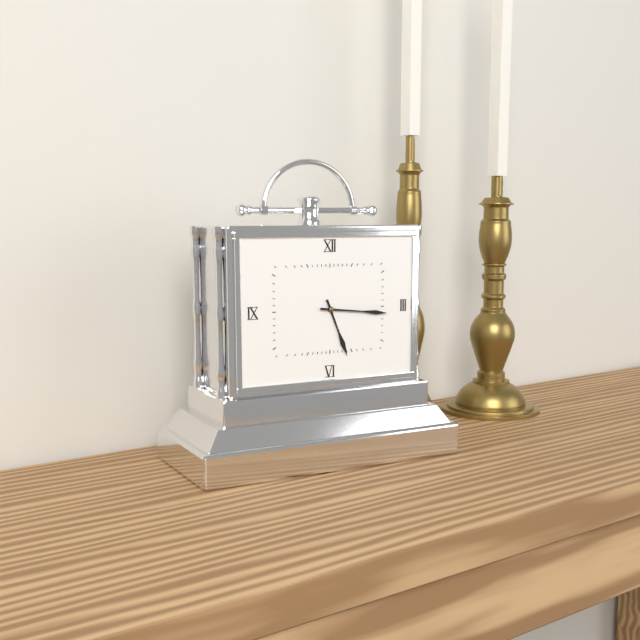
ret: {"hour": 5, "minute": 16}
